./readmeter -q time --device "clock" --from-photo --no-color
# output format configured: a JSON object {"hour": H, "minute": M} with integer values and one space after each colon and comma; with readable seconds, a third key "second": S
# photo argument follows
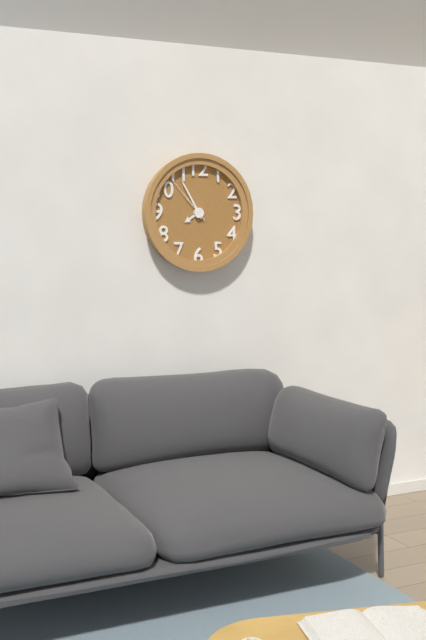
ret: {"hour": 7, "minute": 55, "second": 53}
